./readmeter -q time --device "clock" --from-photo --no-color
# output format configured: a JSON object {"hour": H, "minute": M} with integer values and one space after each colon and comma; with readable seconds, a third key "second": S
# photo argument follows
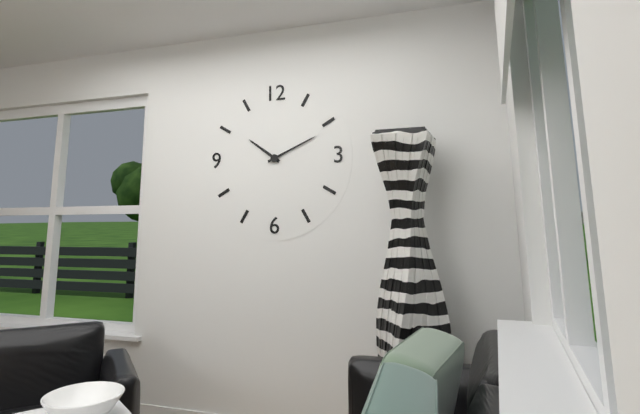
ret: {"hour": 10, "minute": 11}
